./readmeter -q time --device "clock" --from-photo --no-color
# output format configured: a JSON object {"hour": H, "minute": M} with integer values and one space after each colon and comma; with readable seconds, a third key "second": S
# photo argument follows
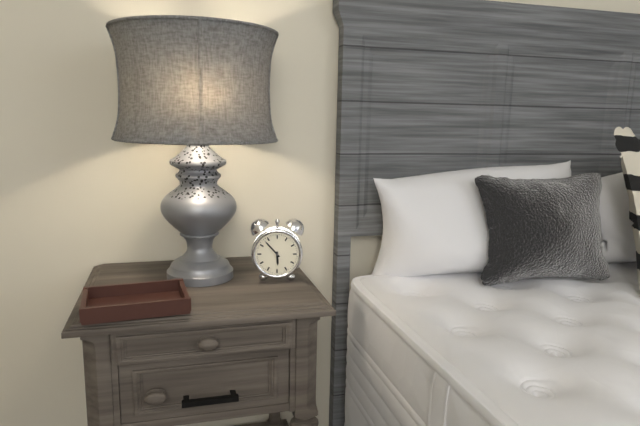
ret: {"hour": 5, "minute": 53}
